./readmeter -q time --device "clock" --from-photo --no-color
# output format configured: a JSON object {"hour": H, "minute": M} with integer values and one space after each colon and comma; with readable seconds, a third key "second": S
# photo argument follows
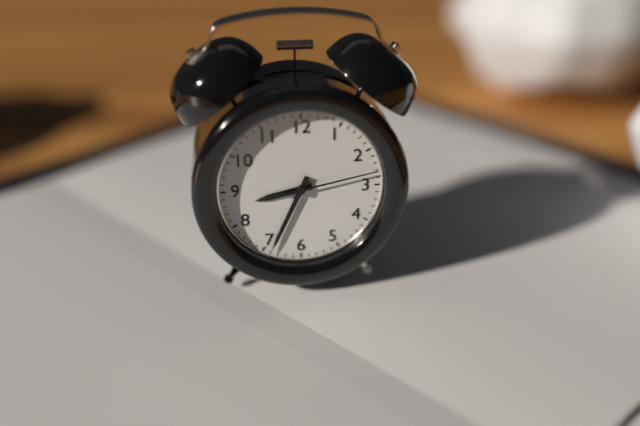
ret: {"hour": 8, "minute": 34, "second": 13}
